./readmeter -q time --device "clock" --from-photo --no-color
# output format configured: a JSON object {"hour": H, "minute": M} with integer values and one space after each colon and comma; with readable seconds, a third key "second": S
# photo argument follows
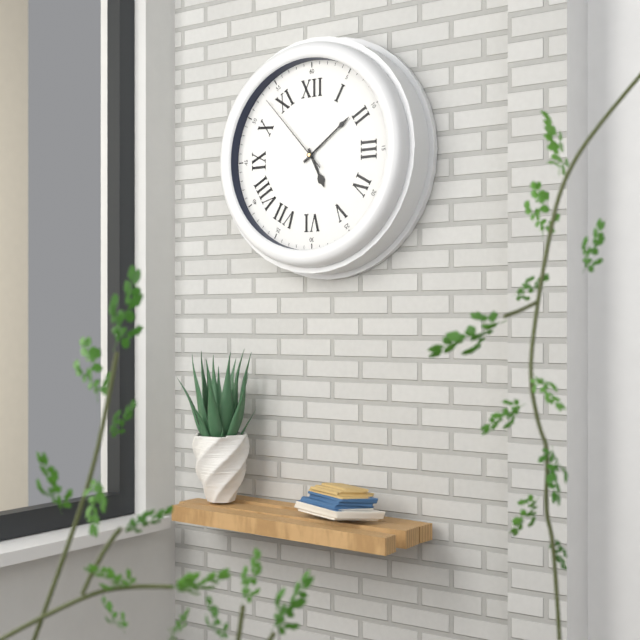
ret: {"hour": 5, "minute": 9, "second": 53}
